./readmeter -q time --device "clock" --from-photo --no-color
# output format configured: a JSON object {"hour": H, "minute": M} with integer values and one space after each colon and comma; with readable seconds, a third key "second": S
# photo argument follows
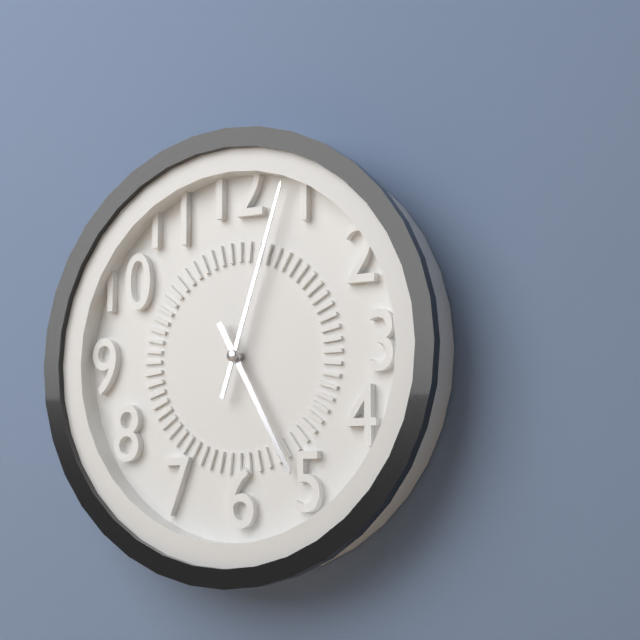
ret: {"hour": 5, "minute": 3}
